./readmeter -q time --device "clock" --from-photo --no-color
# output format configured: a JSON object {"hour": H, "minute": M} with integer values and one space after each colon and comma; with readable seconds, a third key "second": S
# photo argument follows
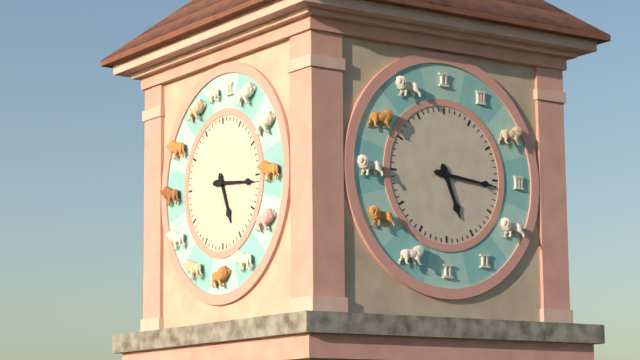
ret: {"hour": 5, "minute": 16}
